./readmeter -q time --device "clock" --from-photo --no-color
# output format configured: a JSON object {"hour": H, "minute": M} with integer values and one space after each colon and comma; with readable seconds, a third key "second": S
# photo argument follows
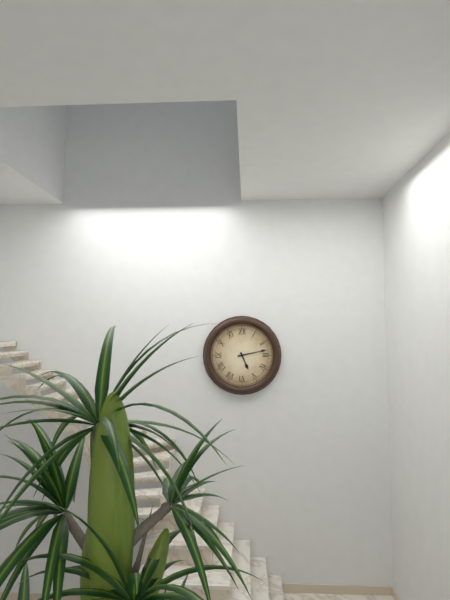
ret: {"hour": 5, "minute": 13}
